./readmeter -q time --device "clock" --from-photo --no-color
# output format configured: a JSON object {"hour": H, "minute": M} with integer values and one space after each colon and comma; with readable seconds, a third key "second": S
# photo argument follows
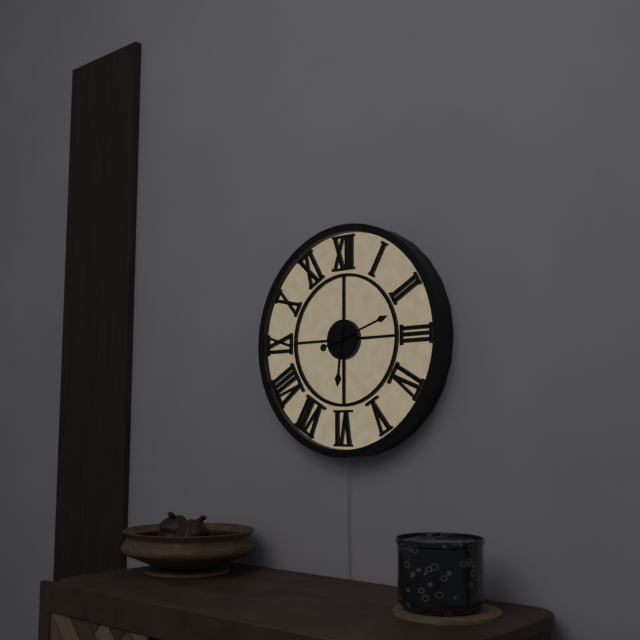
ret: {"hour": 6, "minute": 12}
